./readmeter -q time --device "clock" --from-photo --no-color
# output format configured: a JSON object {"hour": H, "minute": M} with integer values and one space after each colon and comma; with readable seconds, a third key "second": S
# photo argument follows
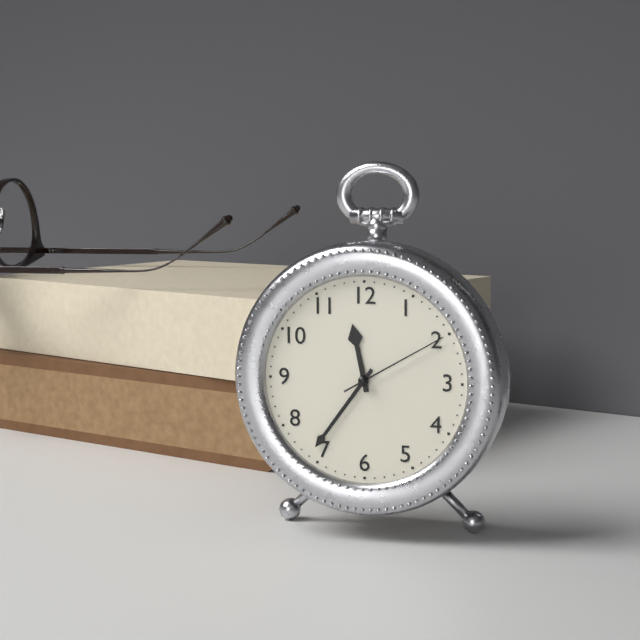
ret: {"hour": 11, "minute": 36, "second": 10}
